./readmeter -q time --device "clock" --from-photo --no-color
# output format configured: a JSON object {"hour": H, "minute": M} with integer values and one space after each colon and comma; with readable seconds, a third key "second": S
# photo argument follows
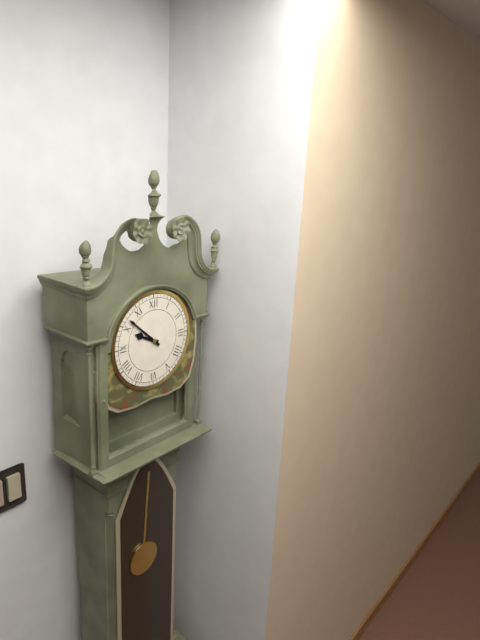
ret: {"hour": 9, "minute": 52}
